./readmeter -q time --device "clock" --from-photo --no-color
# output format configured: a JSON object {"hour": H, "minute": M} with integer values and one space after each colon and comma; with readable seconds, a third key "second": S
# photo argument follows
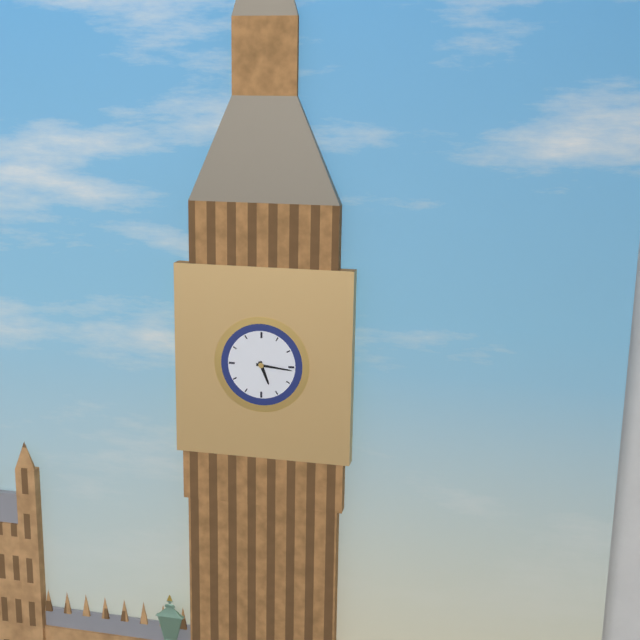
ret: {"hour": 5, "minute": 16}
